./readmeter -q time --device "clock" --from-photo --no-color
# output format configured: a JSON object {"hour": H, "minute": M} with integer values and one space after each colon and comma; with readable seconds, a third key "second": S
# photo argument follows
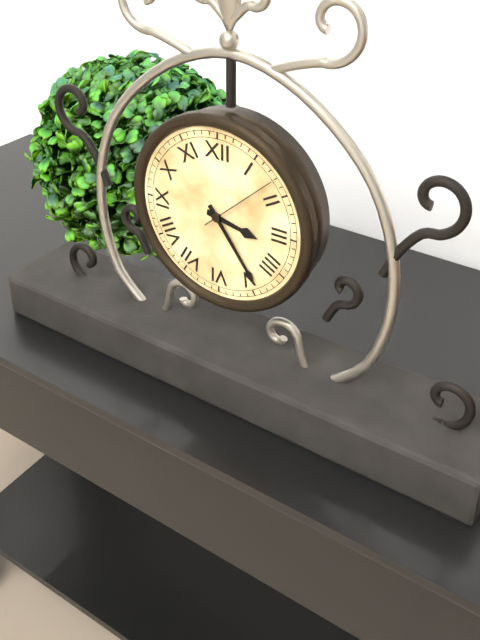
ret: {"hour": 3, "minute": 24, "second": 8}
